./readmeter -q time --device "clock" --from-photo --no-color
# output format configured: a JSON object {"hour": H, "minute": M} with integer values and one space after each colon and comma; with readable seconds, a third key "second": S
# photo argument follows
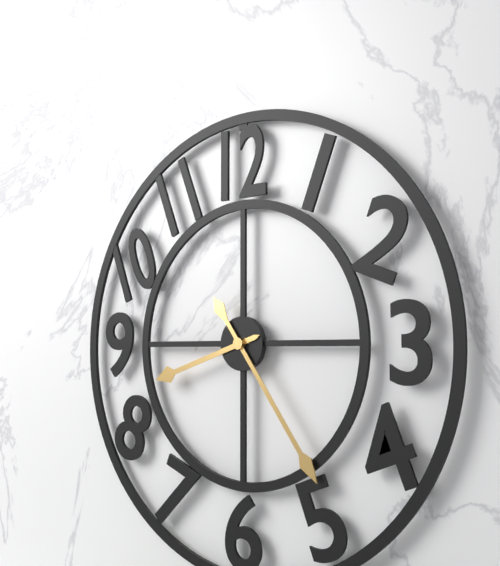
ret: {"hour": 8, "minute": 24}
